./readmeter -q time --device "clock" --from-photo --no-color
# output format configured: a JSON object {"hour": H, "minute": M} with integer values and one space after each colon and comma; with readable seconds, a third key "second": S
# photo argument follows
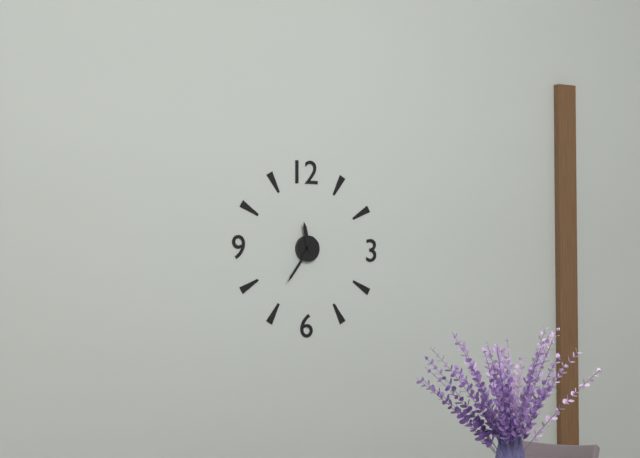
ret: {"hour": 11, "minute": 36}
